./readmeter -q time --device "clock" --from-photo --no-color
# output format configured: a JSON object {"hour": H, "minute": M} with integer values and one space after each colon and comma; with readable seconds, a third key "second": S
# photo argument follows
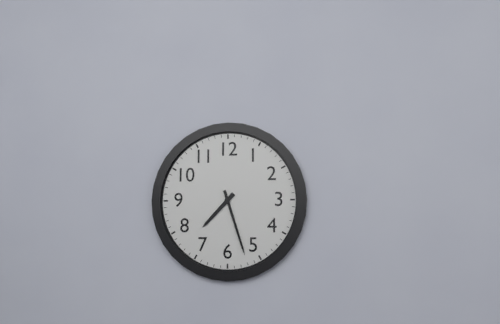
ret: {"hour": 7, "minute": 27}
